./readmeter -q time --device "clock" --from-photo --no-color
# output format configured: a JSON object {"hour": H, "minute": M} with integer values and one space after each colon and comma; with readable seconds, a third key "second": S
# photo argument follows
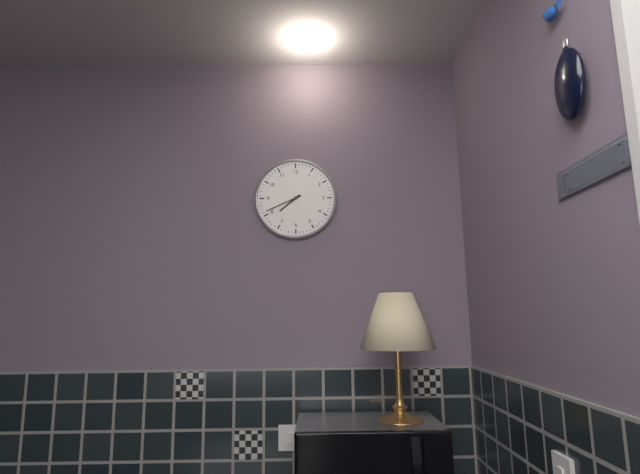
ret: {"hour": 7, "minute": 41}
